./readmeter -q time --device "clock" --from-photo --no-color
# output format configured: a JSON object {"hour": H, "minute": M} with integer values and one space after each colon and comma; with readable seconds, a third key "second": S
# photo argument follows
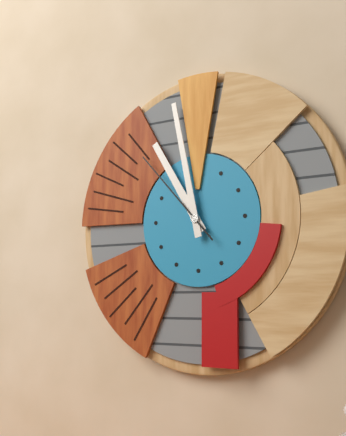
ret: {"hour": 10, "minute": 58, "second": 53}
